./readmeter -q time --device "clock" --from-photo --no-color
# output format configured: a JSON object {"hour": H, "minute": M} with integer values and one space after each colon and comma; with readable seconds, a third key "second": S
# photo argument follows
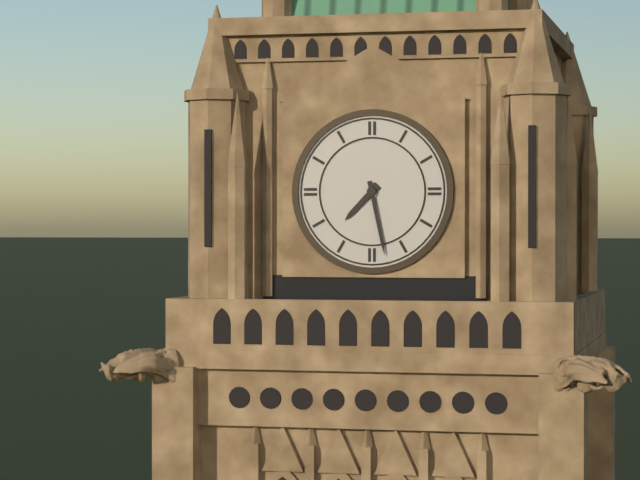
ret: {"hour": 7, "minute": 28}
